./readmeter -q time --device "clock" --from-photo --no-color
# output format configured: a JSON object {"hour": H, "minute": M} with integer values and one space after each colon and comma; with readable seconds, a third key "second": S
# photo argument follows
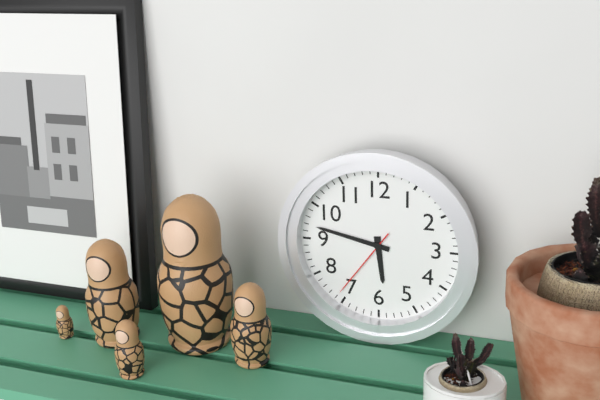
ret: {"hour": 5, "minute": 47, "second": 36}
